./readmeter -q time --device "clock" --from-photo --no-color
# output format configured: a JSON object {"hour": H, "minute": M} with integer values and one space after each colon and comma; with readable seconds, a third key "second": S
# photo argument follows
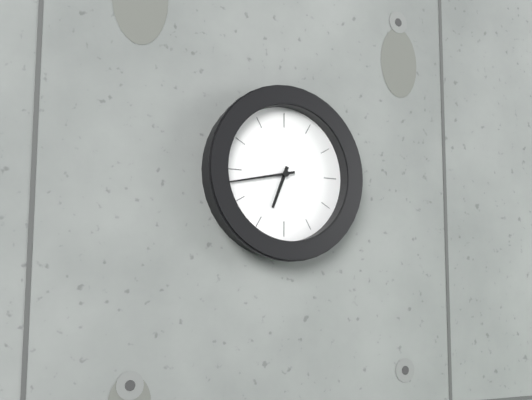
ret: {"hour": 6, "minute": 43}
